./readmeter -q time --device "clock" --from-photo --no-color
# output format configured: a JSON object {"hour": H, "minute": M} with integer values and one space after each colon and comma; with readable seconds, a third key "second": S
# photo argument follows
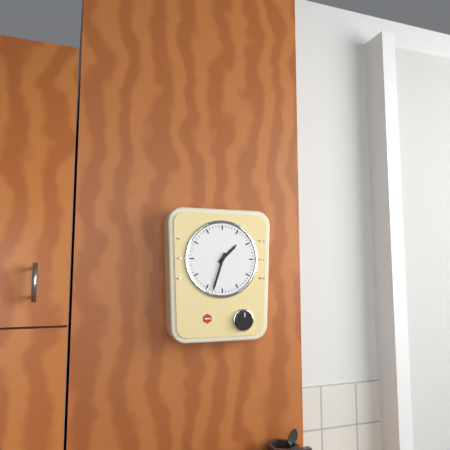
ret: {"hour": 1, "minute": 33}
